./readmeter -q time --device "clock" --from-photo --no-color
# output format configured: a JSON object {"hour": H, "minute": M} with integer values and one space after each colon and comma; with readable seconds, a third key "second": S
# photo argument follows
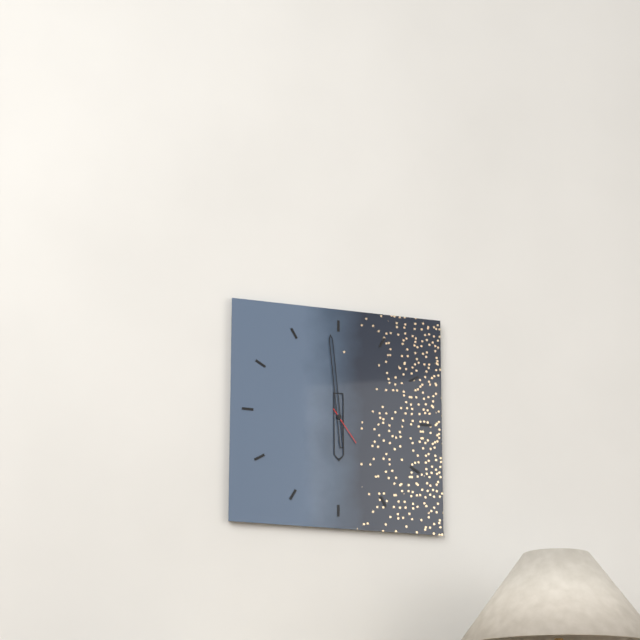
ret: {"hour": 5, "minute": 59}
